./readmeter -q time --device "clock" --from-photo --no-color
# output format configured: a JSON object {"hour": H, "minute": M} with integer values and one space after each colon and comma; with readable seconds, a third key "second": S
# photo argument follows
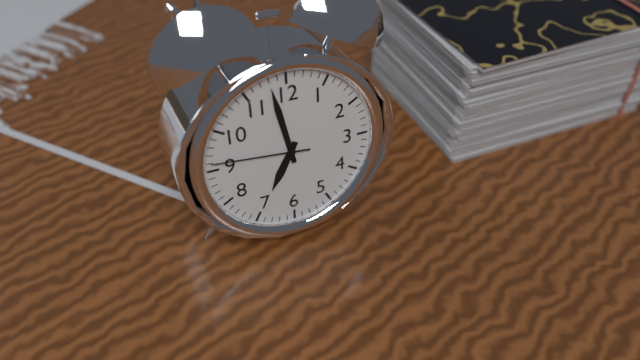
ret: {"hour": 6, "minute": 58, "second": 46}
